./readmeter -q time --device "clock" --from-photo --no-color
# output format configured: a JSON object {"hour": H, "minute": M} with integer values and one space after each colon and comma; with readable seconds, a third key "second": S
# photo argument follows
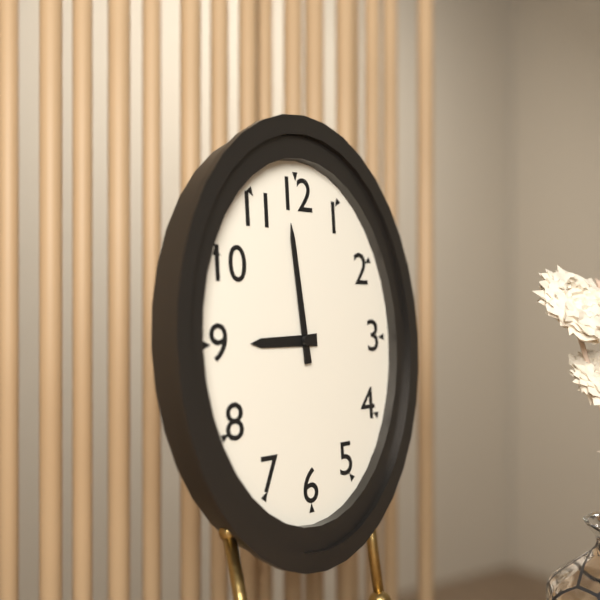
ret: {"hour": 8, "minute": 59}
